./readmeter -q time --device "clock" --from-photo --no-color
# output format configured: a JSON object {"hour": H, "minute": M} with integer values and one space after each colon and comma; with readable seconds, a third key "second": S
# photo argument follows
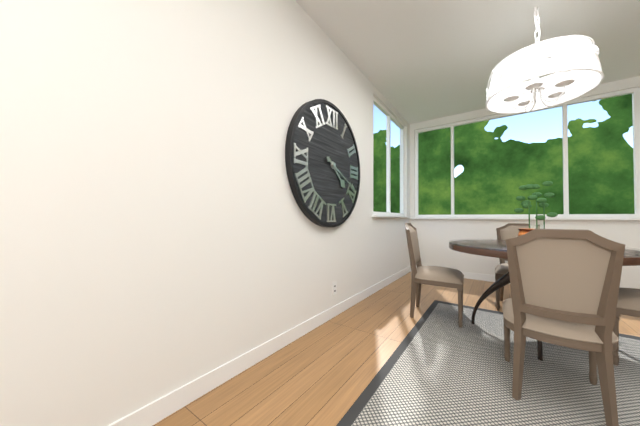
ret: {"hour": 4, "minute": 19}
